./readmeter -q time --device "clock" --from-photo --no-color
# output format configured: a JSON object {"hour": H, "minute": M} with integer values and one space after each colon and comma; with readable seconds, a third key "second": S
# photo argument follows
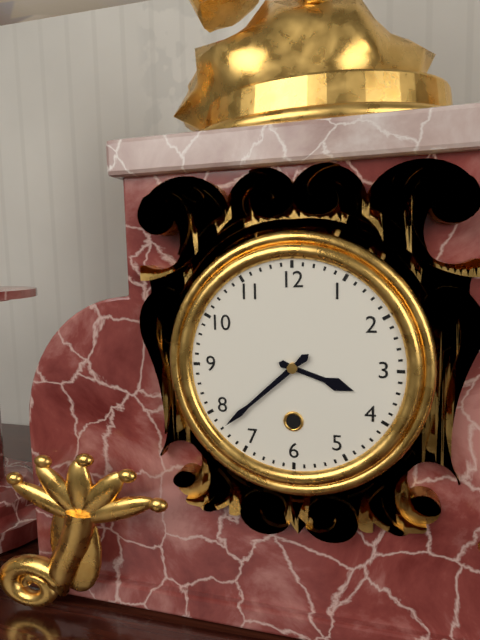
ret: {"hour": 3, "minute": 38}
